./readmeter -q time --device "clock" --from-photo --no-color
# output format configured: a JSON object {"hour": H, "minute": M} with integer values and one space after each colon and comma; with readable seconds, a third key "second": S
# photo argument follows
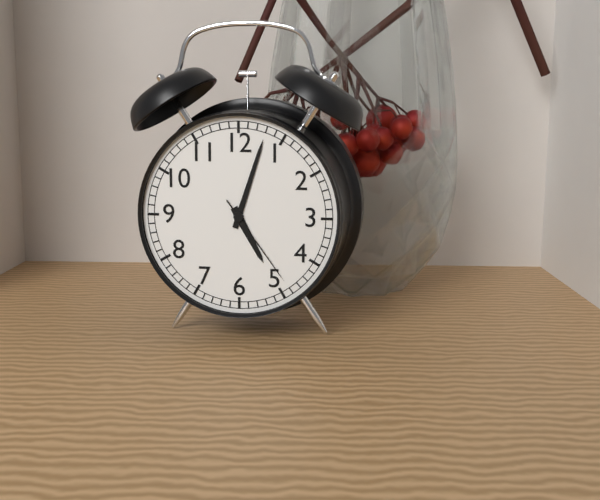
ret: {"hour": 5, "minute": 3, "second": 24}
